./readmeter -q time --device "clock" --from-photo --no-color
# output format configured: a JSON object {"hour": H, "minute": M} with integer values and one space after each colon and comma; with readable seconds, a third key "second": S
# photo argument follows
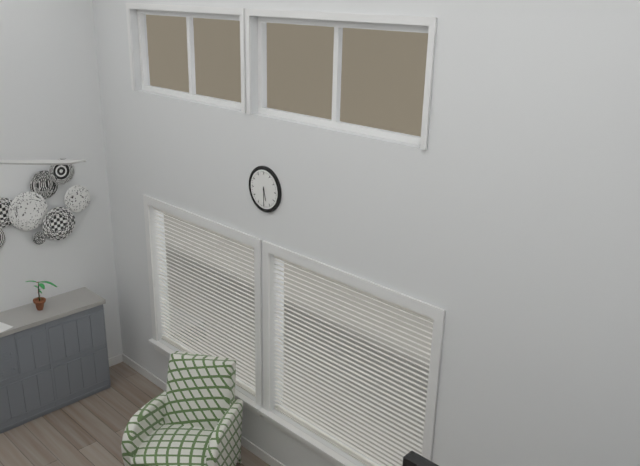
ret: {"hour": 5, "minute": 30}
